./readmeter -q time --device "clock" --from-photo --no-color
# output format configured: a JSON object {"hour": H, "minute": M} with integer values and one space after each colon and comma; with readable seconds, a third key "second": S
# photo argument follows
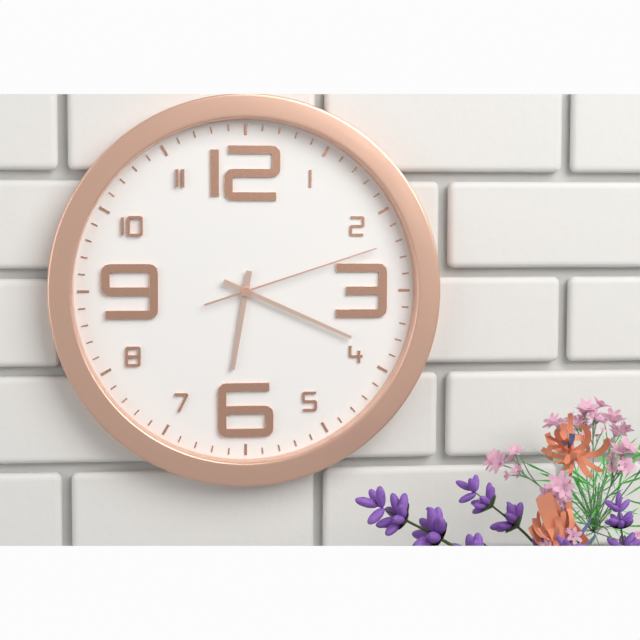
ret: {"hour": 6, "minute": 19, "second": 12}
